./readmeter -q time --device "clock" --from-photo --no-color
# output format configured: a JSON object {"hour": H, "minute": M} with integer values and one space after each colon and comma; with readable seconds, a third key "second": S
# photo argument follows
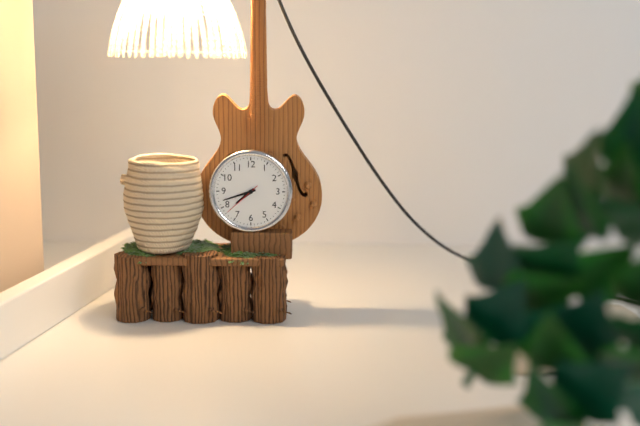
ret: {"hour": 7, "minute": 42}
